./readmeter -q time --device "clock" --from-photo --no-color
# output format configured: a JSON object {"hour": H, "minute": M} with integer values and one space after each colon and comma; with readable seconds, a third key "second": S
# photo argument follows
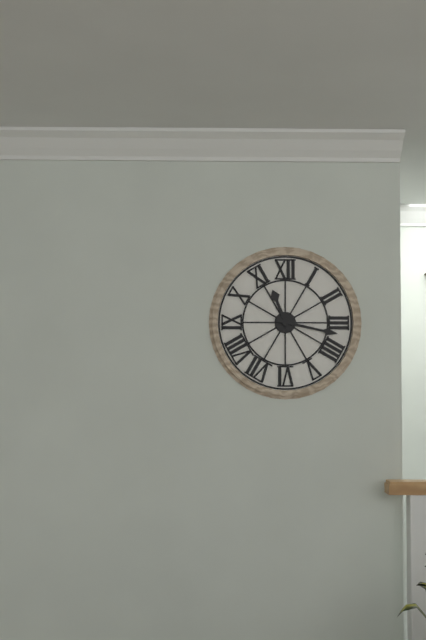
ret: {"hour": 11, "minute": 17}
